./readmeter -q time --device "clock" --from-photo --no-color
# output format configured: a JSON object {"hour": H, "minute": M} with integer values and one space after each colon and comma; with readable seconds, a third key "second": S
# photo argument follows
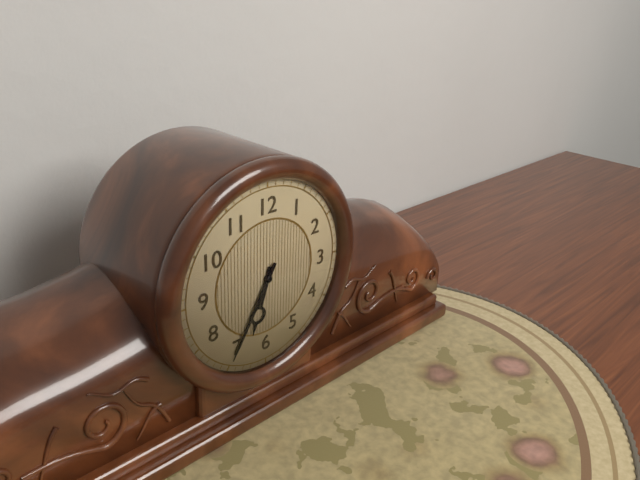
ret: {"hour": 6, "minute": 35}
